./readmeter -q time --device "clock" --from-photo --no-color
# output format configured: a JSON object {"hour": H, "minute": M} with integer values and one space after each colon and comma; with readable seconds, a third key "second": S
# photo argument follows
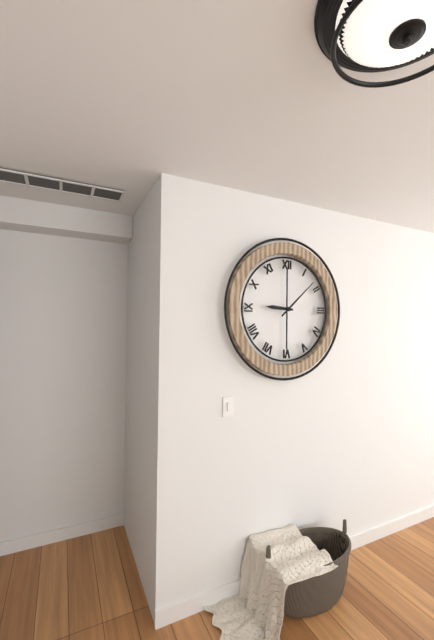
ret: {"hour": 9, "minute": 8}
